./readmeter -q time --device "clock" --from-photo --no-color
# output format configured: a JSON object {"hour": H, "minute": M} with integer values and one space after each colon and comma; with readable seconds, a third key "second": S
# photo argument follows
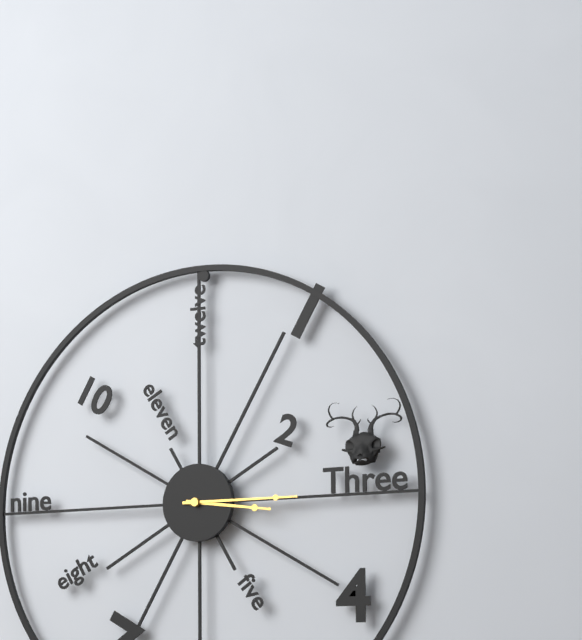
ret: {"hour": 3, "minute": 15}
